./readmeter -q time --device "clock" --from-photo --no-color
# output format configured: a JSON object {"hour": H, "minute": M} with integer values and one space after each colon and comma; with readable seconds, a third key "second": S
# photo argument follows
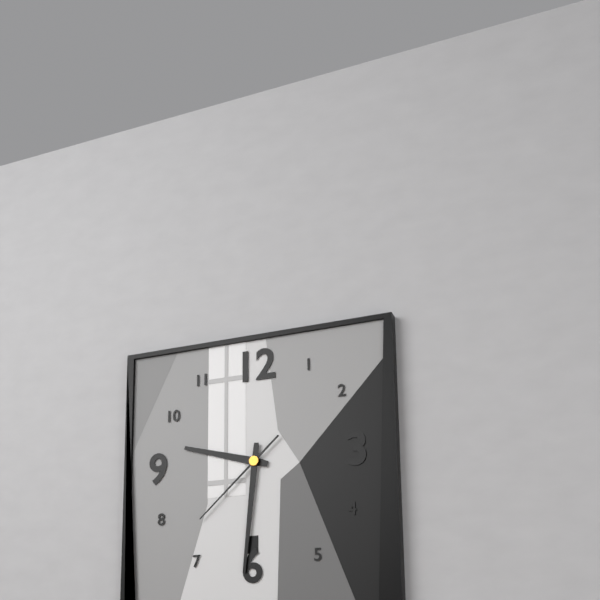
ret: {"hour": 9, "minute": 31, "second": 38}
